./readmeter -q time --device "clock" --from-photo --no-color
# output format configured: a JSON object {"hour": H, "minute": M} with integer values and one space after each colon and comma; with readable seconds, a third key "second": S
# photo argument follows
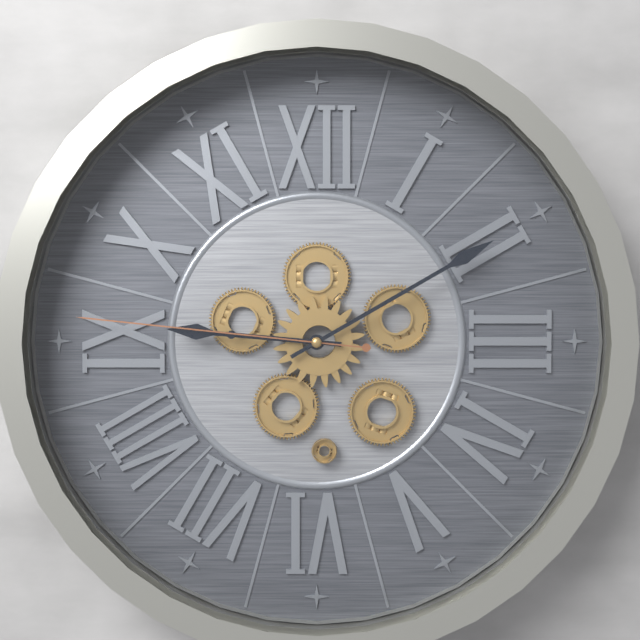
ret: {"hour": 9, "minute": 10, "second": 46}
